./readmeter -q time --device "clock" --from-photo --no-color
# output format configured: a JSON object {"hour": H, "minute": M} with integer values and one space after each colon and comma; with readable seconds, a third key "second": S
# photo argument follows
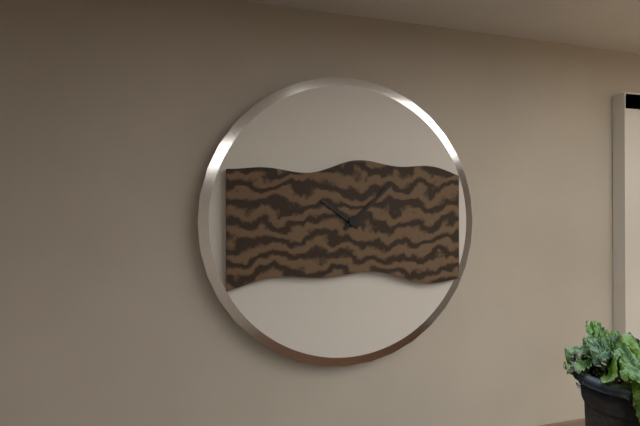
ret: {"hour": 10, "minute": 8}
